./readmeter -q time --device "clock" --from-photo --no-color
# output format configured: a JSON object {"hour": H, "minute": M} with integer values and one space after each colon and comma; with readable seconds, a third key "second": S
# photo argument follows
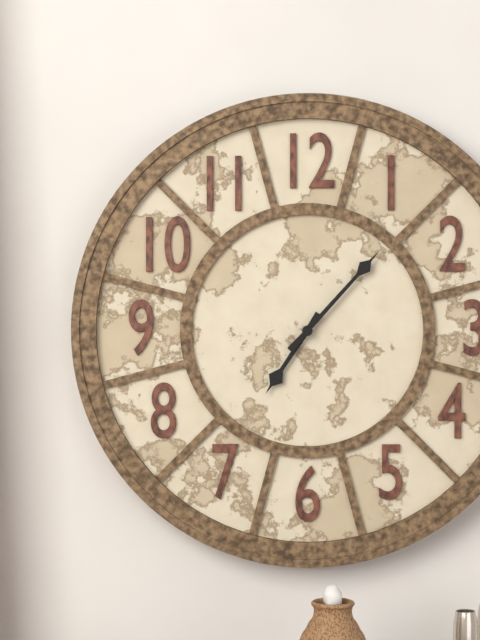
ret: {"hour": 7, "minute": 7}
